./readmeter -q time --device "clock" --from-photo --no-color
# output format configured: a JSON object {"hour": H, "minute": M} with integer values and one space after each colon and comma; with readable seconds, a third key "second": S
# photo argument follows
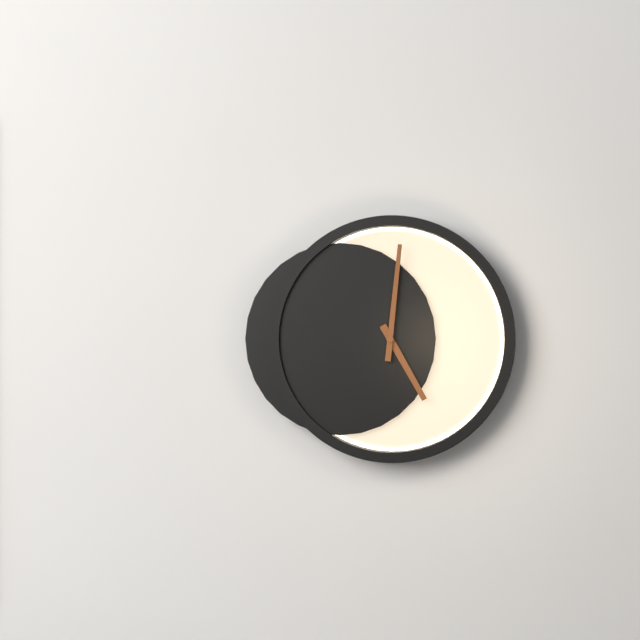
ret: {"hour": 5, "minute": 1}
